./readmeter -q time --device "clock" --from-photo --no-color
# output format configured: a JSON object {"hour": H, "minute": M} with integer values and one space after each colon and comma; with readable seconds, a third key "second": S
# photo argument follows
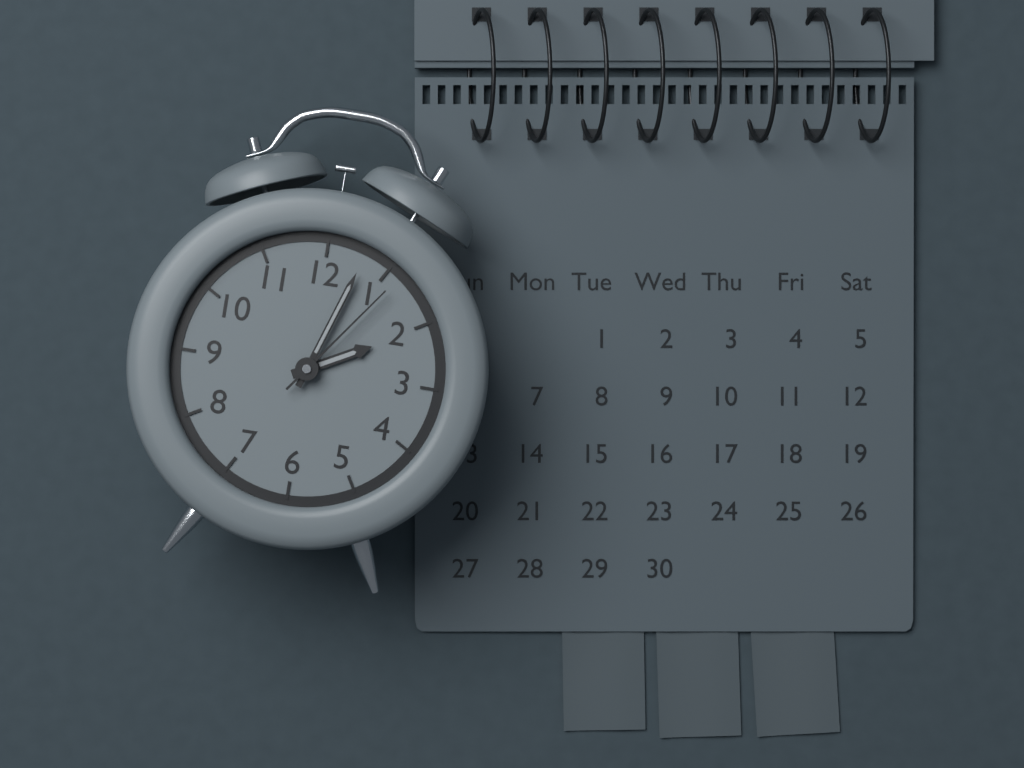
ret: {"hour": 2, "minute": 3, "second": 6}
